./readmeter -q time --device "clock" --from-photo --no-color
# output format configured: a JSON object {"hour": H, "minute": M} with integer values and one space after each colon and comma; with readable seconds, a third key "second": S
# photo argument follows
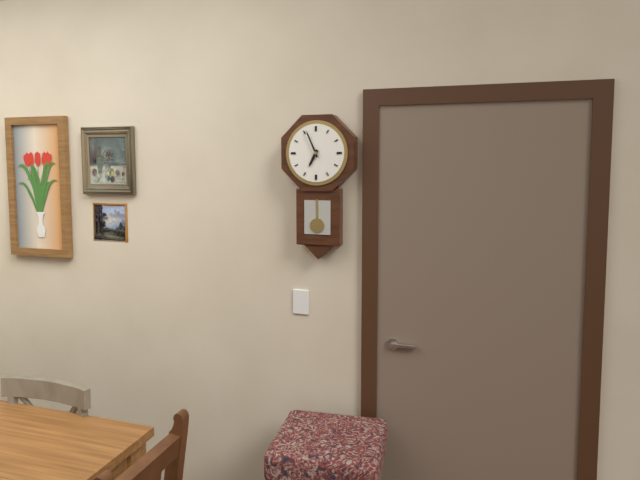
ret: {"hour": 6, "minute": 56}
